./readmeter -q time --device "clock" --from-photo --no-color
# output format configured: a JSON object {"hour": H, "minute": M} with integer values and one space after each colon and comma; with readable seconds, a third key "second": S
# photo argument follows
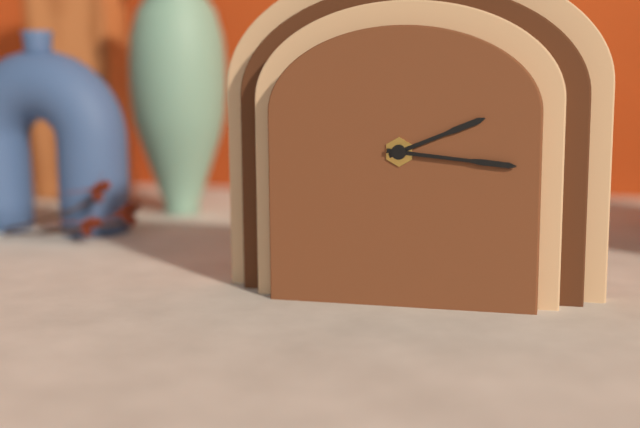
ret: {"hour": 2, "minute": 16}
